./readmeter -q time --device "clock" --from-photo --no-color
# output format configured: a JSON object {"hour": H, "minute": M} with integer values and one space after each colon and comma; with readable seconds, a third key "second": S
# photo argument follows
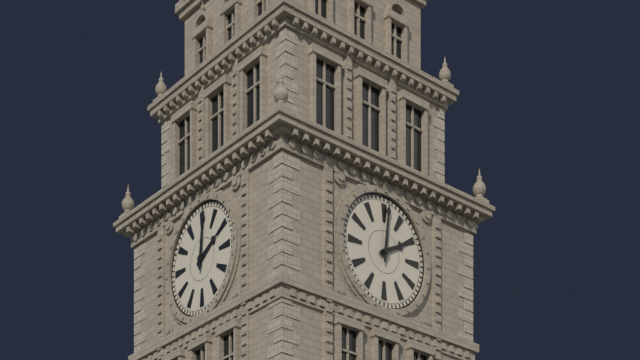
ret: {"hour": 2, "minute": 1}
